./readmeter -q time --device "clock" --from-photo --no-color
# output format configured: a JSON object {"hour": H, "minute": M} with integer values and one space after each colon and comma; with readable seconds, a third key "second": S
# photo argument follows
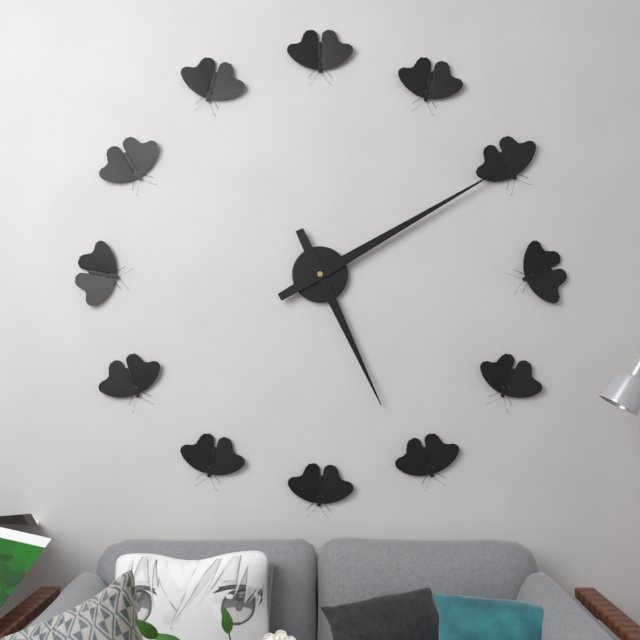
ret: {"hour": 5, "minute": 10}
